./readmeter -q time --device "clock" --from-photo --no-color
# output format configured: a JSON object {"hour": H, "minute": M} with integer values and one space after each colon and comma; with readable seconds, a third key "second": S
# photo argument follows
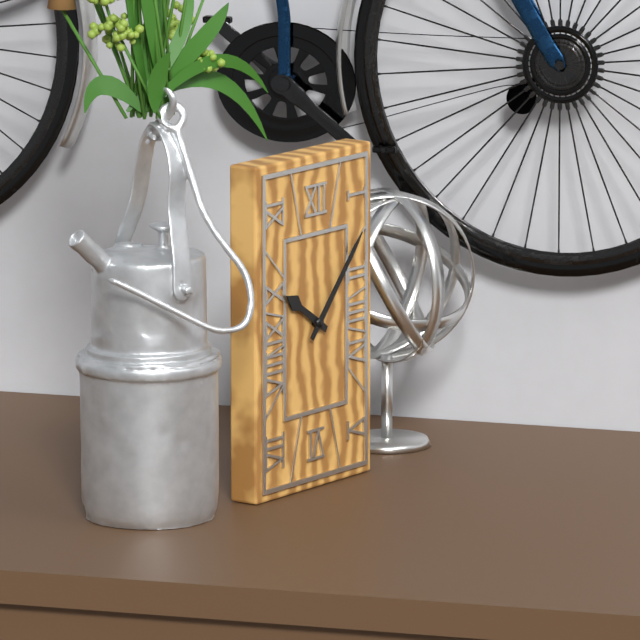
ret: {"hour": 10, "minute": 7}
